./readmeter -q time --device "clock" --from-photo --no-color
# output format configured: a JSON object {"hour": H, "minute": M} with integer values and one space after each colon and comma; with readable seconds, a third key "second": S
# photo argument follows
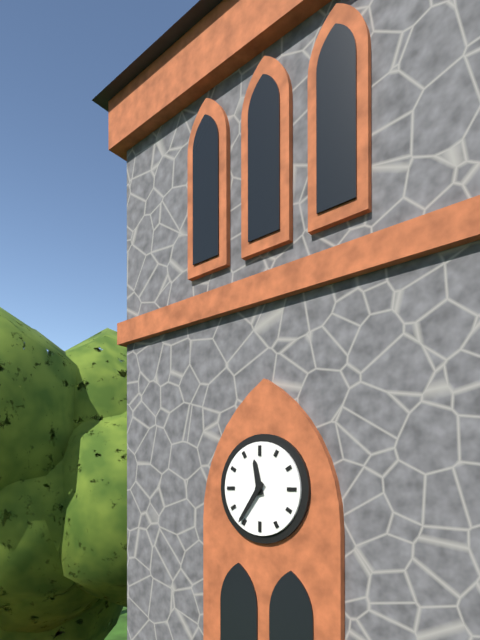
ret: {"hour": 11, "minute": 36}
